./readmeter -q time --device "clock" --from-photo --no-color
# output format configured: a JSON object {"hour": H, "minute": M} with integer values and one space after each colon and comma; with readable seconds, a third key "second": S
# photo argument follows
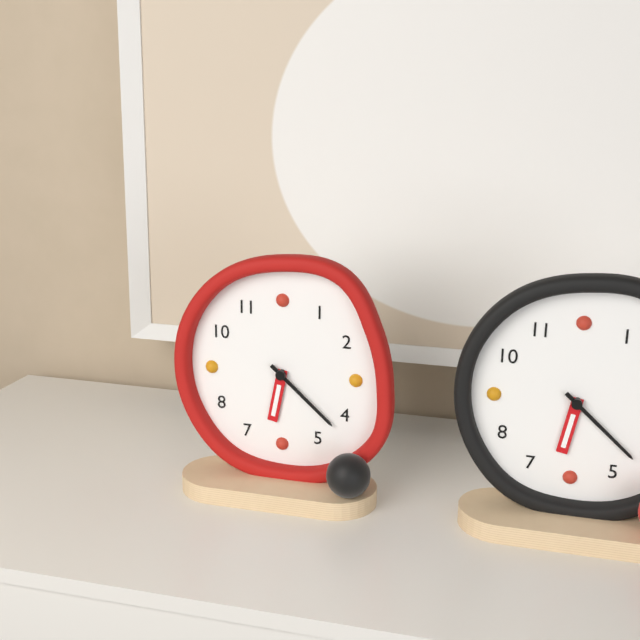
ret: {"hour": 6, "minute": 22}
